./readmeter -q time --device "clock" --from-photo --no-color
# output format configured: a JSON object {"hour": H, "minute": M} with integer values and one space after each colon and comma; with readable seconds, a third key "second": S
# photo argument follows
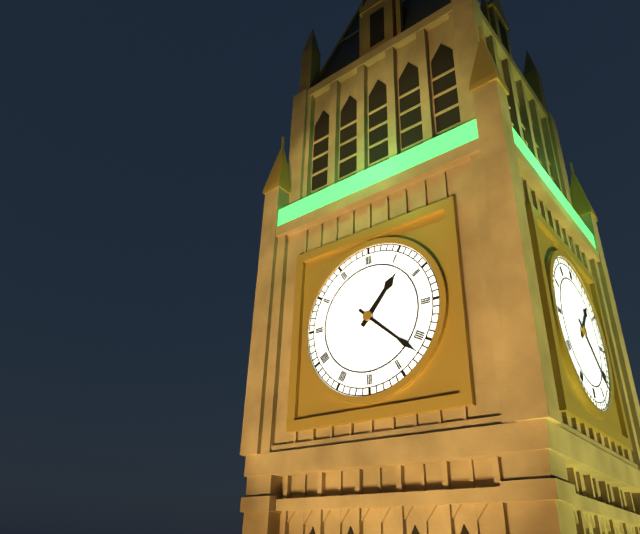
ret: {"hour": 1, "minute": 22}
